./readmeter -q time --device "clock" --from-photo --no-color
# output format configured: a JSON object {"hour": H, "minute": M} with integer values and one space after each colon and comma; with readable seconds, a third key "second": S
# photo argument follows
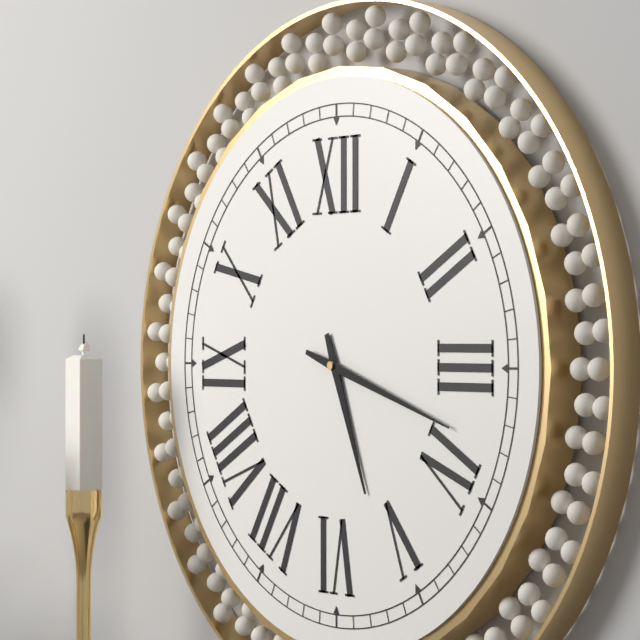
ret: {"hour": 5, "minute": 18}
